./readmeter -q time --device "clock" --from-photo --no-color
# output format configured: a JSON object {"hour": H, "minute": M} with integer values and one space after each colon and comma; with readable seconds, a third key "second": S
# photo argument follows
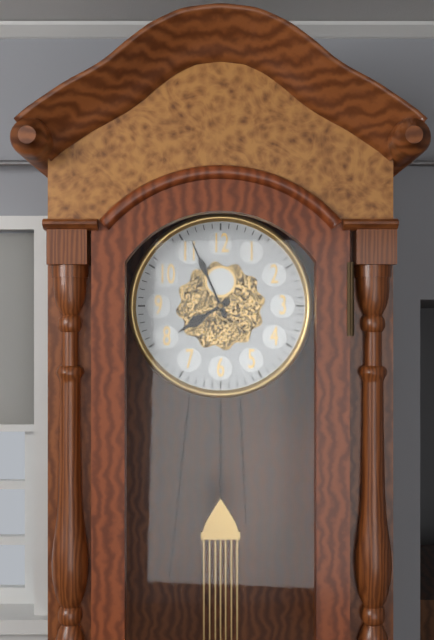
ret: {"hour": 7, "minute": 56}
